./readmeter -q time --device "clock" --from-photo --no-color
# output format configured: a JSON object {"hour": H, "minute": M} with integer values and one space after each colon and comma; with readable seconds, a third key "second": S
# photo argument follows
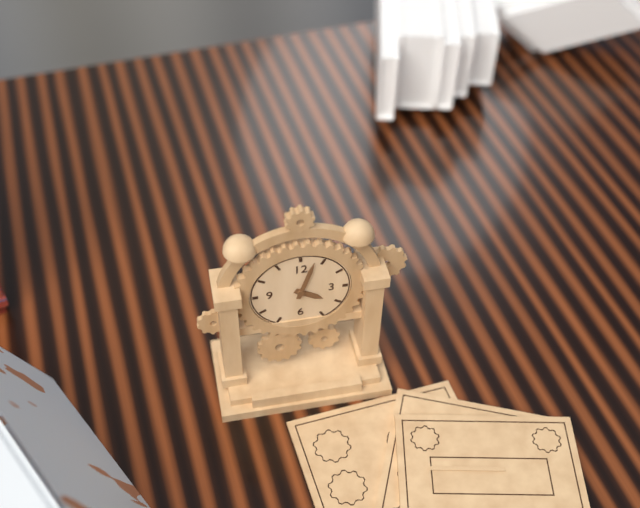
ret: {"hour": 4, "minute": 3}
